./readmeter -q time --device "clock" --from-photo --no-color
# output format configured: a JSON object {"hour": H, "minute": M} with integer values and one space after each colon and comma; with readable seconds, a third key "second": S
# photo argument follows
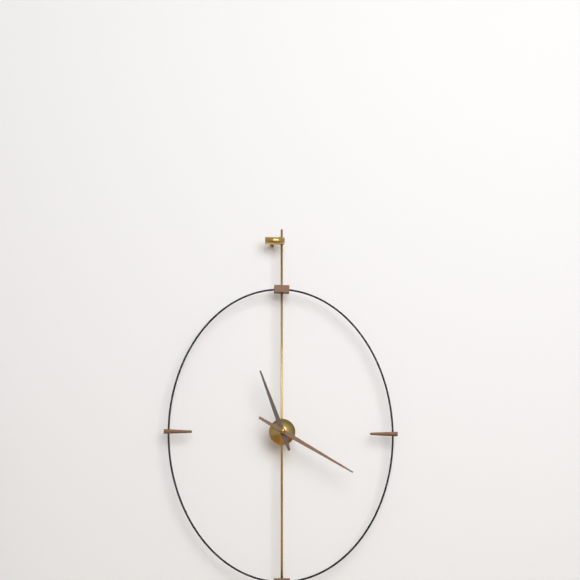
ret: {"hour": 11, "minute": 20}
